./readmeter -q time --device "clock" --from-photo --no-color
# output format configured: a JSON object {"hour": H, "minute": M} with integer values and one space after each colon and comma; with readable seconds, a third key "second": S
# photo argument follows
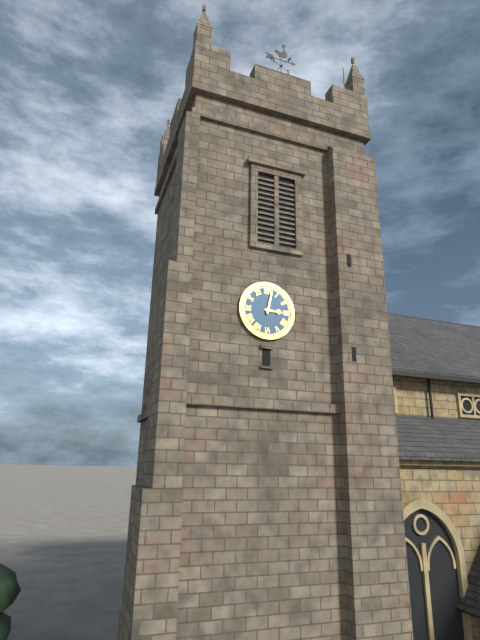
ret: {"hour": 3, "minute": 2}
